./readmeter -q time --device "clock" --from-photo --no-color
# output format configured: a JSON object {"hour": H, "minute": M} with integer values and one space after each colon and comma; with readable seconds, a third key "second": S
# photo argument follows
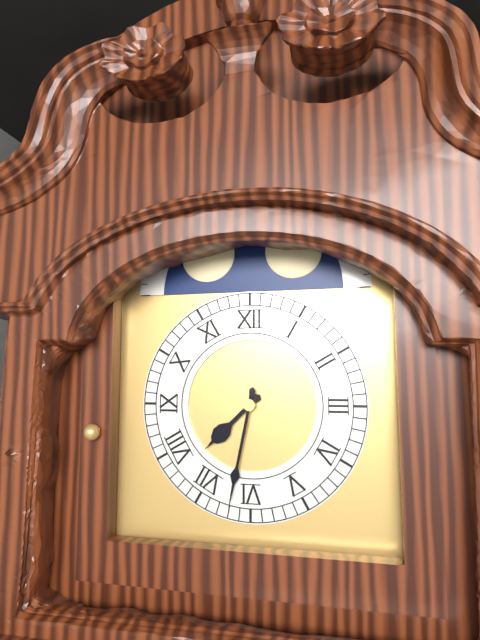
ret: {"hour": 7, "minute": 32}
